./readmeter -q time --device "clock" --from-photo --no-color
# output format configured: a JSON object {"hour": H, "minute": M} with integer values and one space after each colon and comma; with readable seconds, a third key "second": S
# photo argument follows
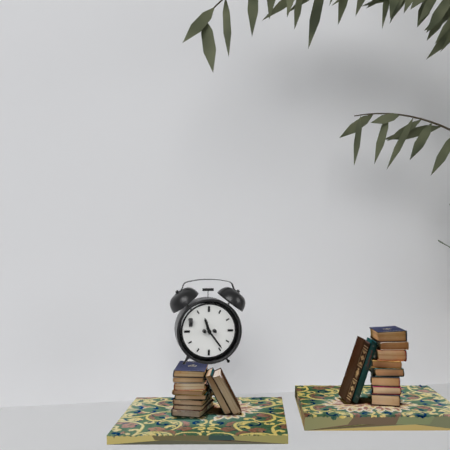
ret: {"hour": 11, "minute": 24}
